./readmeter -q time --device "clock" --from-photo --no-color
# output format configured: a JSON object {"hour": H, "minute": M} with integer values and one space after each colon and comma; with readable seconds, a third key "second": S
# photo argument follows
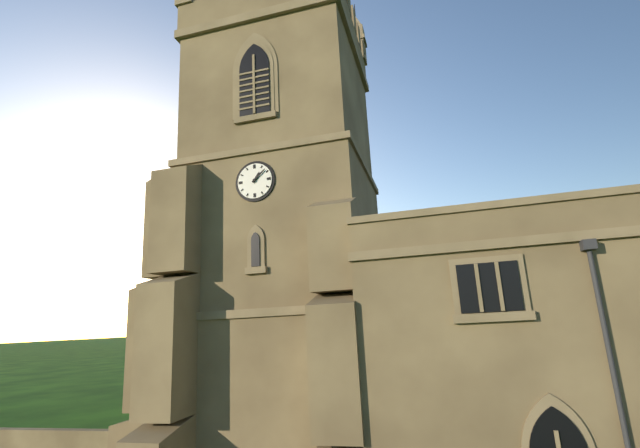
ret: {"hour": 1, "minute": 8}
